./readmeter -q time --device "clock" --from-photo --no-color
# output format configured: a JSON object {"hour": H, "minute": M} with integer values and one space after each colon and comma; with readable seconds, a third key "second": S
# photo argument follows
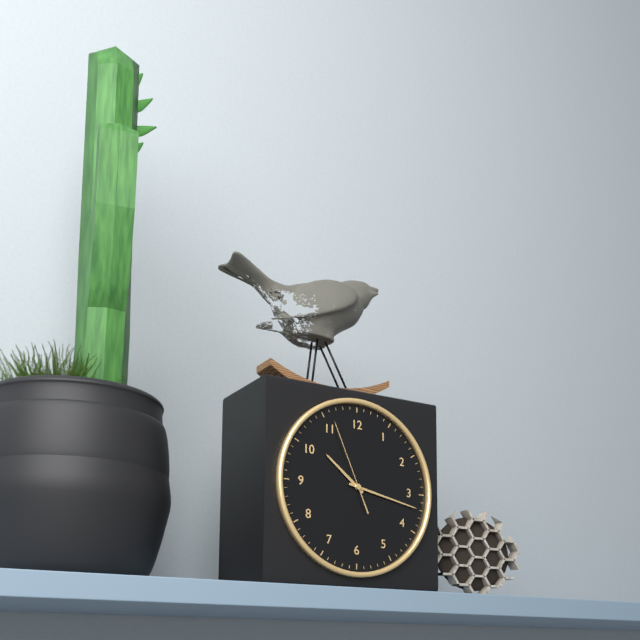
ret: {"hour": 10, "minute": 17, "second": 56}
